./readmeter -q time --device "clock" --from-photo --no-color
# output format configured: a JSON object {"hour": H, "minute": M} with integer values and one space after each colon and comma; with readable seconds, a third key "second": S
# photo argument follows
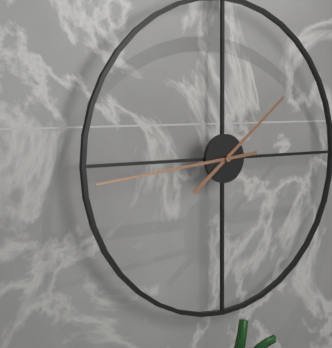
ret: {"hour": 1, "minute": 44}
